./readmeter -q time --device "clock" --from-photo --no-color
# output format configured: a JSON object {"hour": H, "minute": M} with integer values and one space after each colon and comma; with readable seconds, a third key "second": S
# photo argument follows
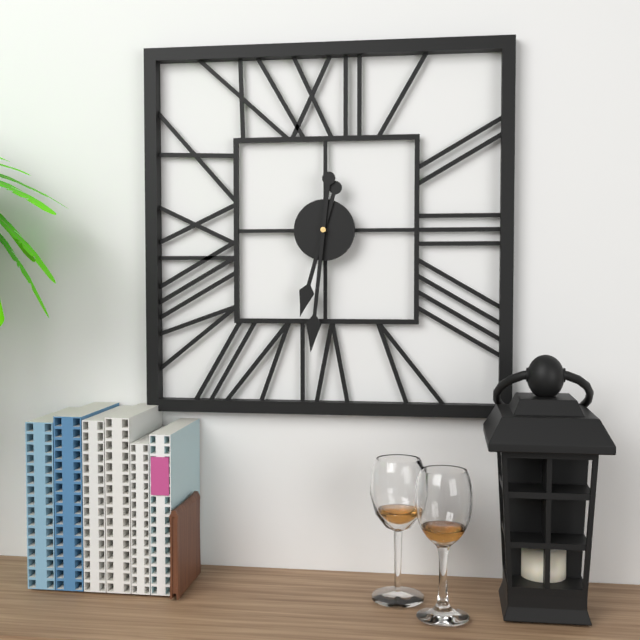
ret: {"hour": 6, "minute": 31}
